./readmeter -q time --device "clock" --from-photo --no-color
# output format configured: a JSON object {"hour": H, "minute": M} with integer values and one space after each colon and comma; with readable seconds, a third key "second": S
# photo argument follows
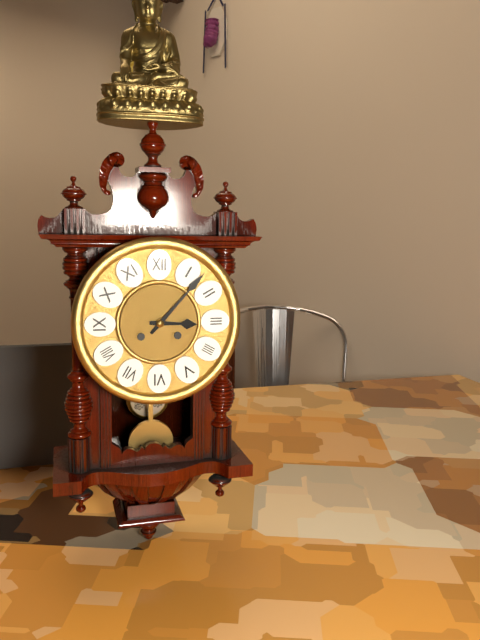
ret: {"hour": 3, "minute": 7}
